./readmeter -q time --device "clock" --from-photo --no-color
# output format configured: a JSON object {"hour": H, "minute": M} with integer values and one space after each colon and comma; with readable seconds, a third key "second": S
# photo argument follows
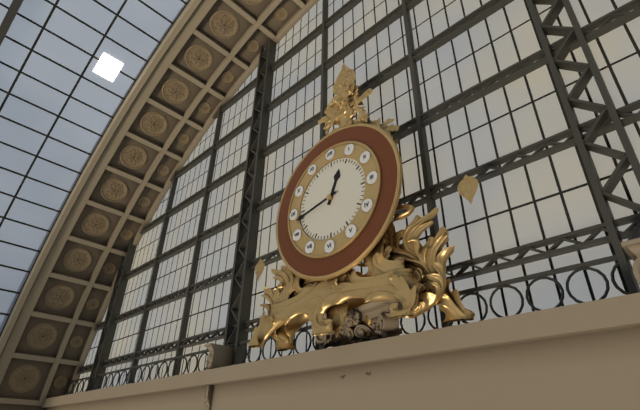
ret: {"hour": 12, "minute": 43}
